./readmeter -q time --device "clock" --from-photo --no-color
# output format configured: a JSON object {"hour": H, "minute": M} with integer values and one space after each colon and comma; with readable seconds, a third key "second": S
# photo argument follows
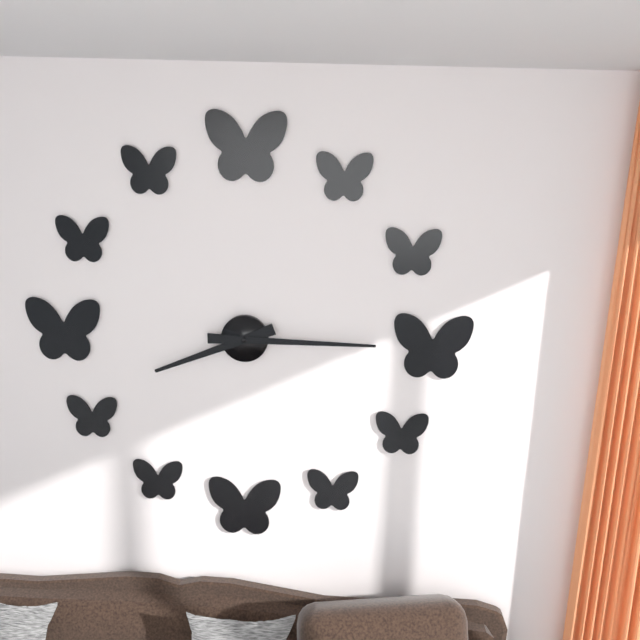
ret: {"hour": 8, "minute": 15}
